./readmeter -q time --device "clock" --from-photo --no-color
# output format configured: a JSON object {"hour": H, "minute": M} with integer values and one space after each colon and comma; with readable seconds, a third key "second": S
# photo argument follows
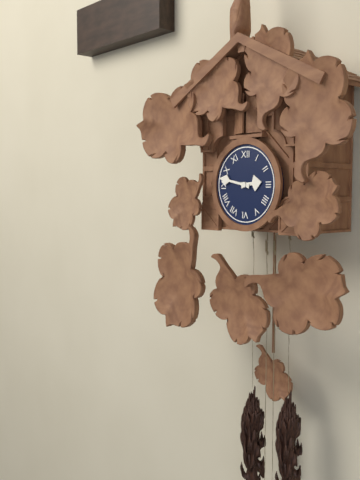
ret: {"hour": 2, "minute": 47}
